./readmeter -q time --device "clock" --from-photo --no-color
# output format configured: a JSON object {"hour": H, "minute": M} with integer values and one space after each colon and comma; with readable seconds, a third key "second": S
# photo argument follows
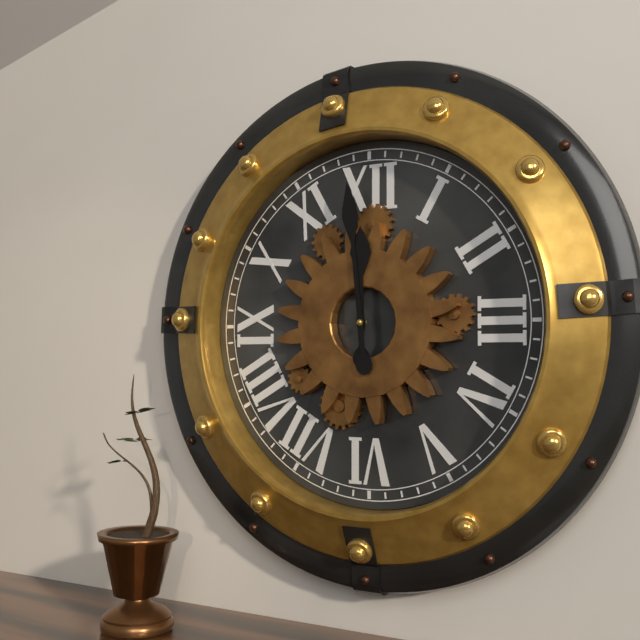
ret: {"hour": 11, "minute": 59}
